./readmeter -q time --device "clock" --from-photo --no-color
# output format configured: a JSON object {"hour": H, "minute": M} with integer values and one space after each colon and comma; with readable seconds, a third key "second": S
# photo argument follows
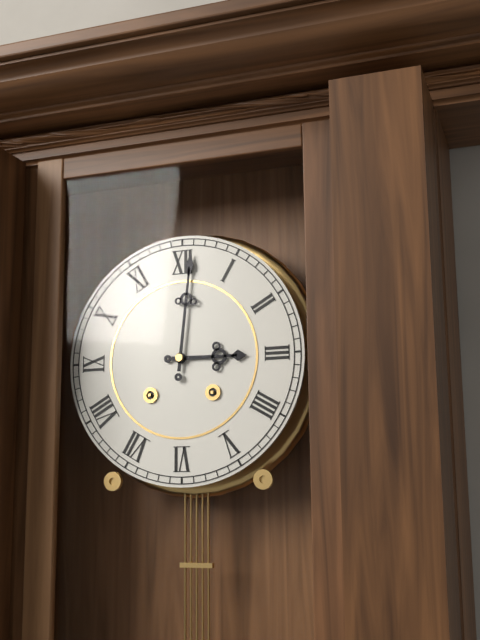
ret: {"hour": 3, "minute": 1}
